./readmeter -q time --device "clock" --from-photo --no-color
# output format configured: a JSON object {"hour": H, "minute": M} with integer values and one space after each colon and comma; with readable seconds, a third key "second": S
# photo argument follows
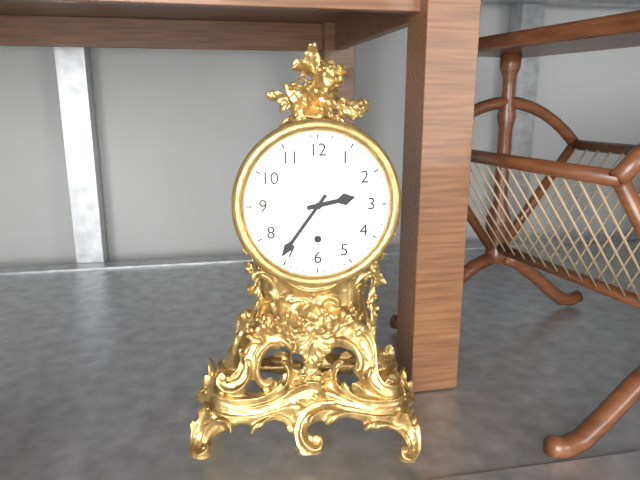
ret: {"hour": 2, "minute": 36}
